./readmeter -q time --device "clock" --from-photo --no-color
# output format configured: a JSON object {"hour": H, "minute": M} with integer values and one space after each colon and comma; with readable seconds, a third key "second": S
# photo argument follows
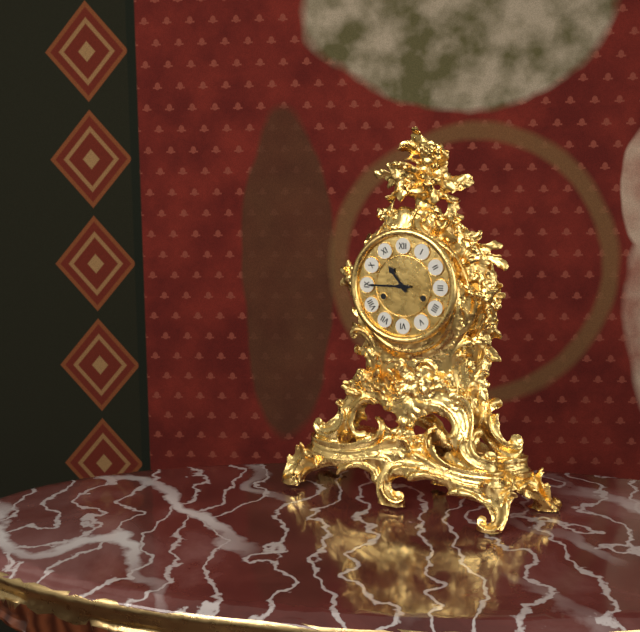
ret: {"hour": 10, "minute": 45}
